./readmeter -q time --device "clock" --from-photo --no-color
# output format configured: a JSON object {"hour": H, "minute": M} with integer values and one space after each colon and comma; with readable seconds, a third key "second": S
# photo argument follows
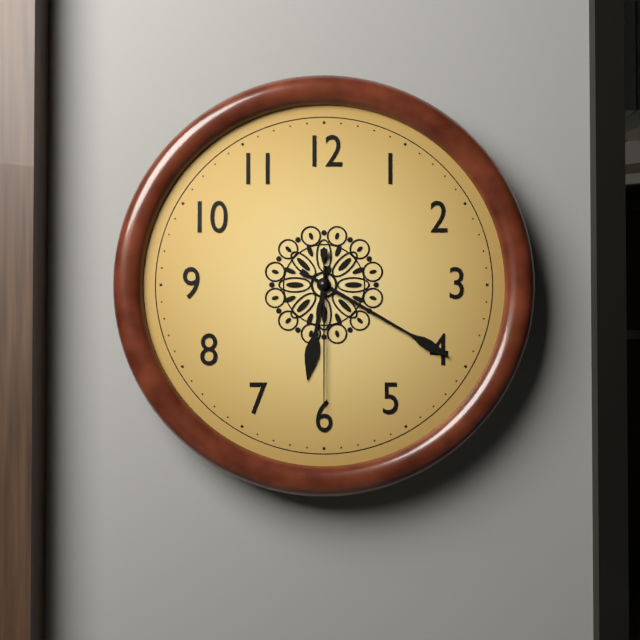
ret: {"hour": 6, "minute": 20, "second": 30}
